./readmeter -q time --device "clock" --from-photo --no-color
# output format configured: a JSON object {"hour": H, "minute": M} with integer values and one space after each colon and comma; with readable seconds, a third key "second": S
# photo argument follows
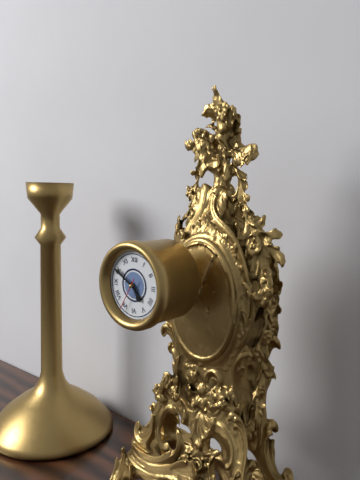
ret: {"hour": 4, "minute": 50}
